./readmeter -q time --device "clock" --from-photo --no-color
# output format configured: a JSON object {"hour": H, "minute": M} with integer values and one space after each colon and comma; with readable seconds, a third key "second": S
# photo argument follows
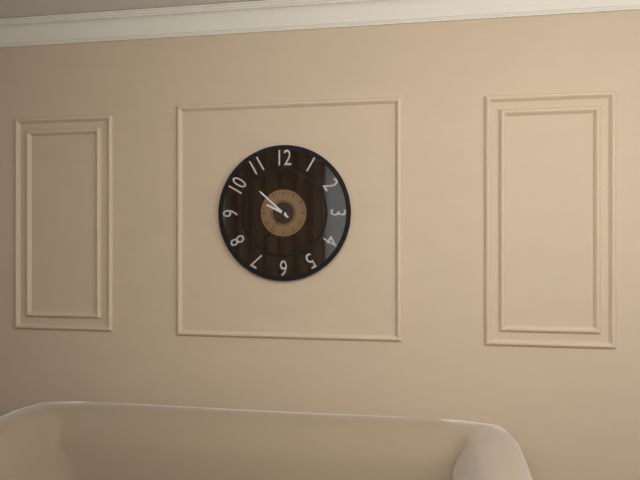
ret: {"hour": 9, "minute": 52}
